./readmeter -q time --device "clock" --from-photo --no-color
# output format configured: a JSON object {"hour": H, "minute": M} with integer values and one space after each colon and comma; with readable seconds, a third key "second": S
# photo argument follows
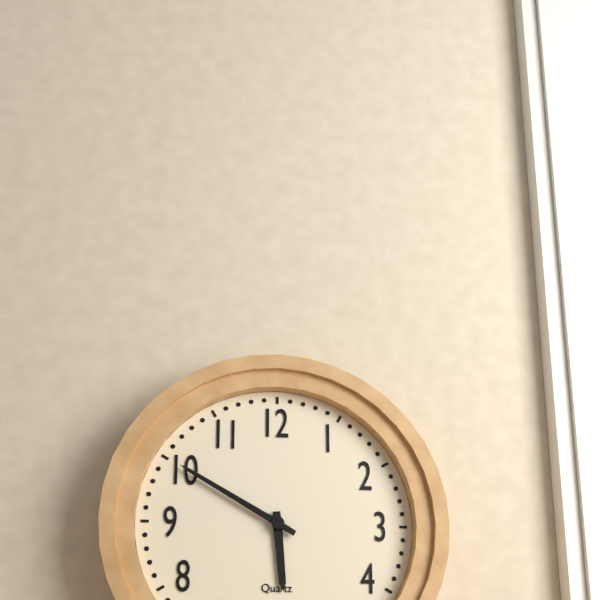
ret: {"hour": 5, "minute": 50}
